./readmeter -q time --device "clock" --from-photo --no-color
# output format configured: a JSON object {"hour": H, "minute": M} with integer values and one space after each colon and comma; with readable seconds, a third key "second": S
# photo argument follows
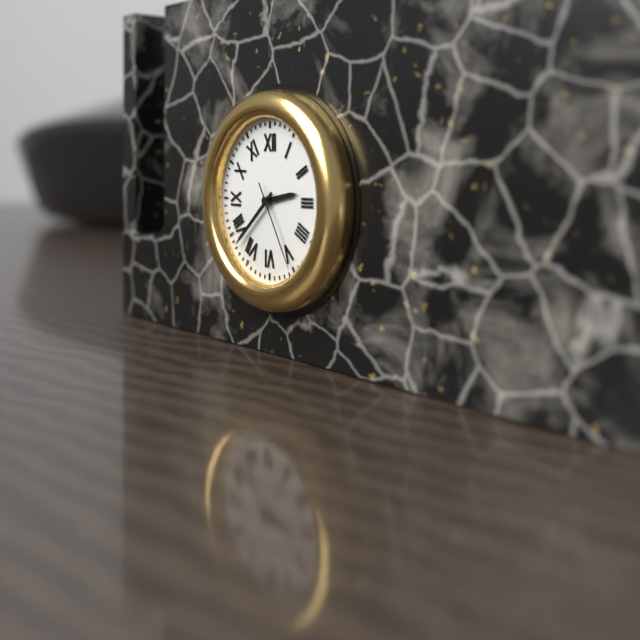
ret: {"hour": 2, "minute": 38, "second": 25}
